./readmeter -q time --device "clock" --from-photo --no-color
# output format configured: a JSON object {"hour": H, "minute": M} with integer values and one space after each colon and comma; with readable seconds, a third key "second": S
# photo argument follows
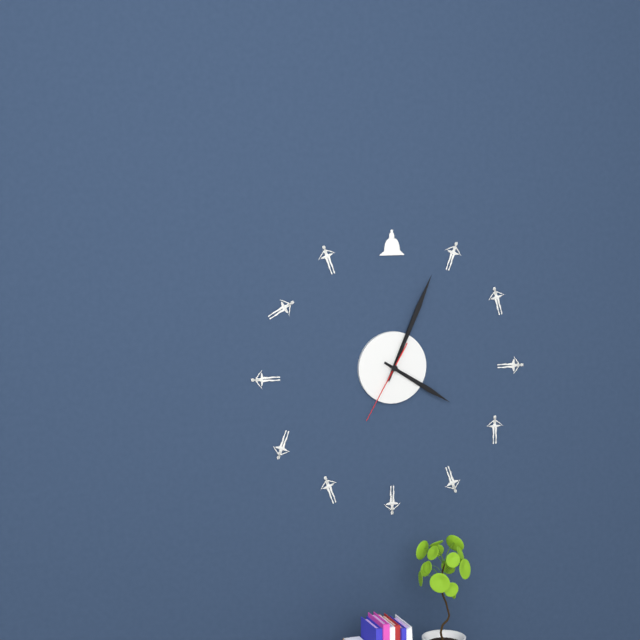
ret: {"hour": 4, "minute": 4, "second": 35}
